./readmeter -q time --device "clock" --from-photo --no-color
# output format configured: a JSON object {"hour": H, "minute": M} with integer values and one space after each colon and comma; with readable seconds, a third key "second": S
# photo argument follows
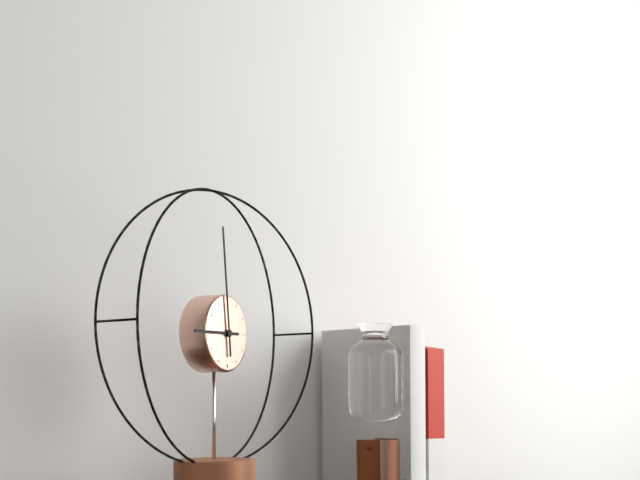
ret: {"hour": 8, "minute": 59}
